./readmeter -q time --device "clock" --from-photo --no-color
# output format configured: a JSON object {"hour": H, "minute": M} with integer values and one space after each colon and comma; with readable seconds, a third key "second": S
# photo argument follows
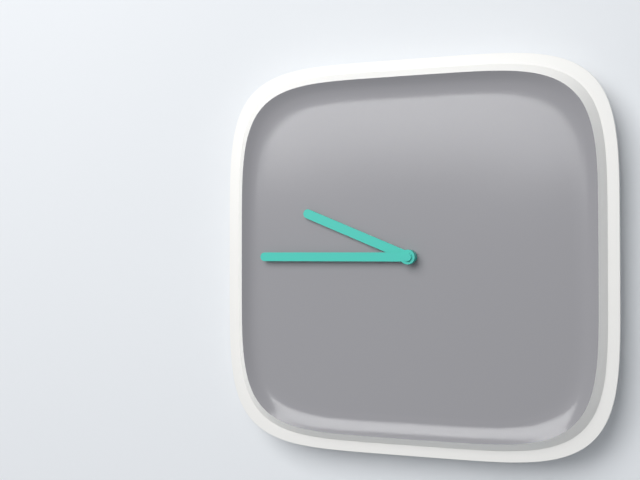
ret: {"hour": 9, "minute": 45}
